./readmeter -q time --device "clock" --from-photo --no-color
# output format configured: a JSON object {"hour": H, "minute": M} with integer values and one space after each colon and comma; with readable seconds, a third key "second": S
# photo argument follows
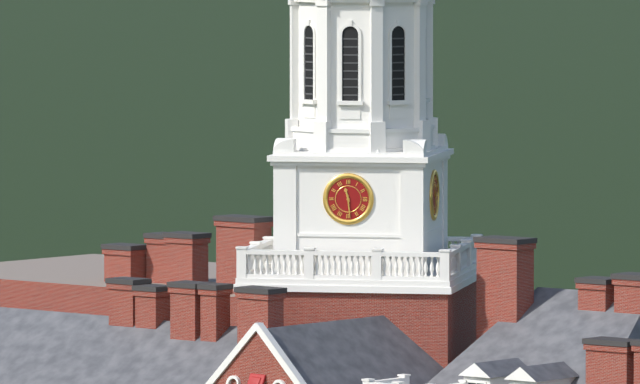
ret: {"hour": 11, "minute": 29}
